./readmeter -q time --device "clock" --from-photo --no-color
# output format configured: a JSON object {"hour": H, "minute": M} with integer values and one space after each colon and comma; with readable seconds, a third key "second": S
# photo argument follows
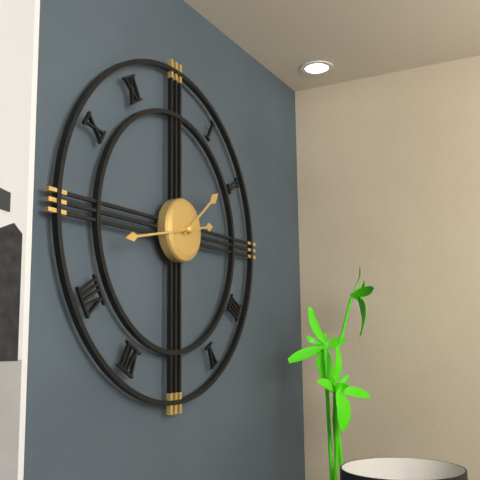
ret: {"hour": 1, "minute": 43}
